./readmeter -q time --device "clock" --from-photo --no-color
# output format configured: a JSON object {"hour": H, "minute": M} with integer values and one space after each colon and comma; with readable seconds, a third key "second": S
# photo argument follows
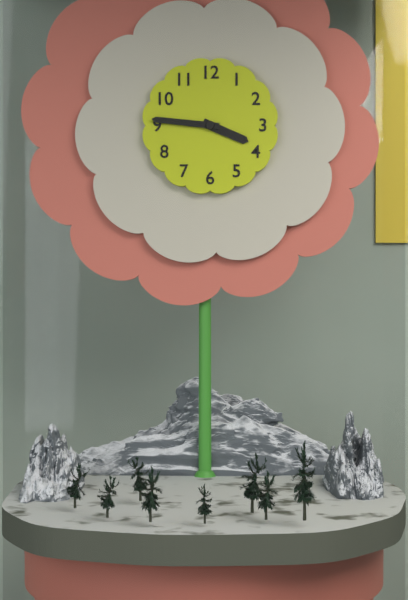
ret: {"hour": 3, "minute": 46}
